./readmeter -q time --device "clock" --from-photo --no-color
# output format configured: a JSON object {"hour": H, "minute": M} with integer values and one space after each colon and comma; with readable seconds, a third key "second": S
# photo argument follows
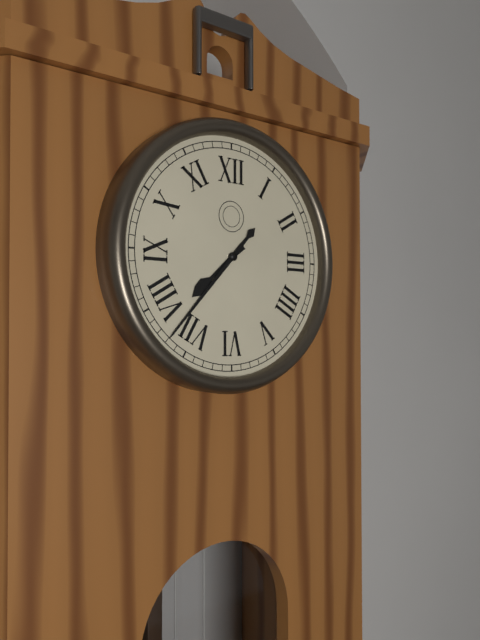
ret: {"hour": 7, "minute": 37}
